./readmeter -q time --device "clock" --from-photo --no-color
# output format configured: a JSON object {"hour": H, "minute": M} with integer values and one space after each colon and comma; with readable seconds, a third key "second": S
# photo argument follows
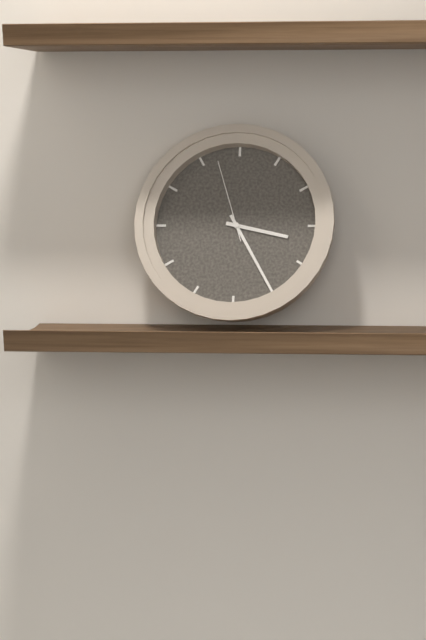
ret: {"hour": 3, "minute": 25, "second": 57}
